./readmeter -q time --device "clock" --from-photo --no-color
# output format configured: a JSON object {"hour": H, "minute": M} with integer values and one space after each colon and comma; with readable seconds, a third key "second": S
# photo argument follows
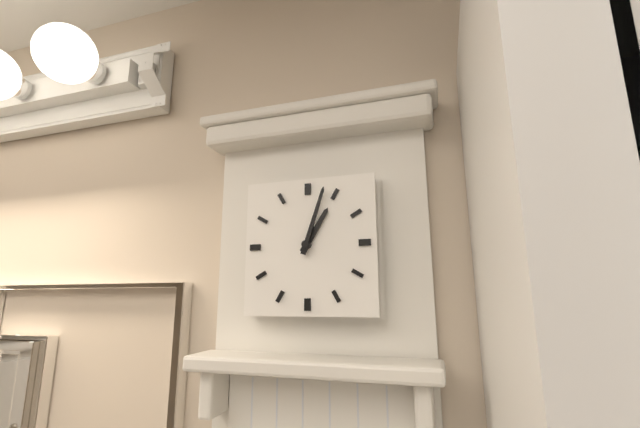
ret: {"hour": 1, "minute": 3}
